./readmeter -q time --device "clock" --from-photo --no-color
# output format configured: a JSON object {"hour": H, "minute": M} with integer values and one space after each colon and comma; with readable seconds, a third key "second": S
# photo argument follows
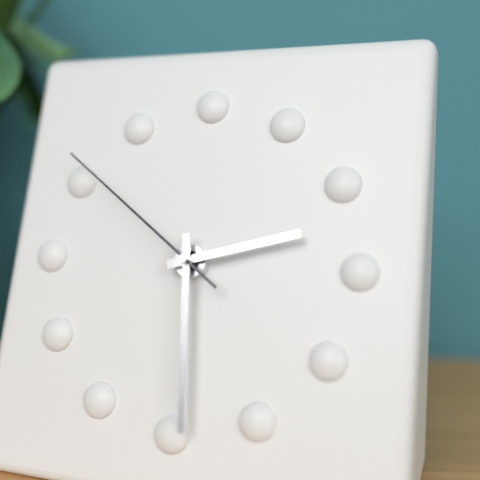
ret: {"hour": 2, "minute": 29, "second": 51}
